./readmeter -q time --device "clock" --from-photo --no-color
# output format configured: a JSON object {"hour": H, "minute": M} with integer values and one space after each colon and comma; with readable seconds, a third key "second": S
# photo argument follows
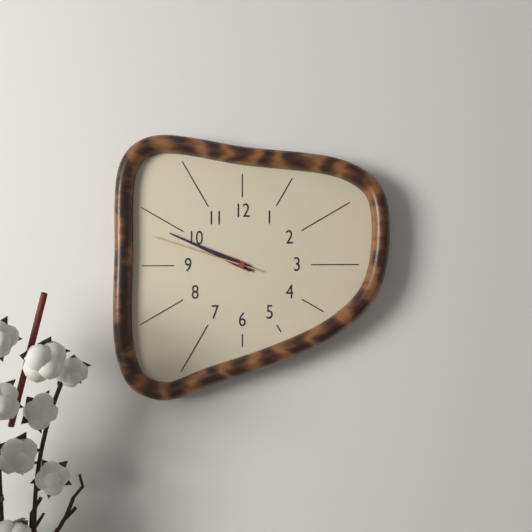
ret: {"hour": 9, "minute": 49, "second": 48}
